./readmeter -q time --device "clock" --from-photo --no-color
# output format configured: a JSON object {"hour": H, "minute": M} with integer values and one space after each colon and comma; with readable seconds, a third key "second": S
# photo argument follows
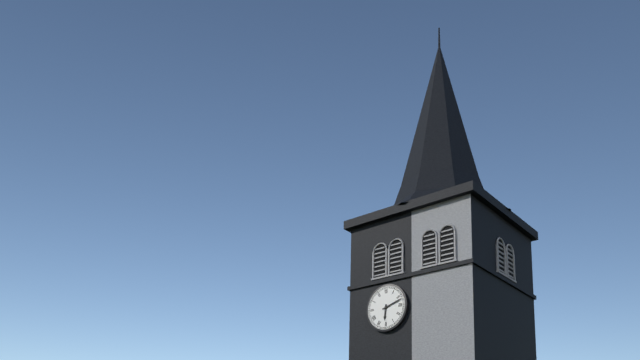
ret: {"hour": 6, "minute": 12}
